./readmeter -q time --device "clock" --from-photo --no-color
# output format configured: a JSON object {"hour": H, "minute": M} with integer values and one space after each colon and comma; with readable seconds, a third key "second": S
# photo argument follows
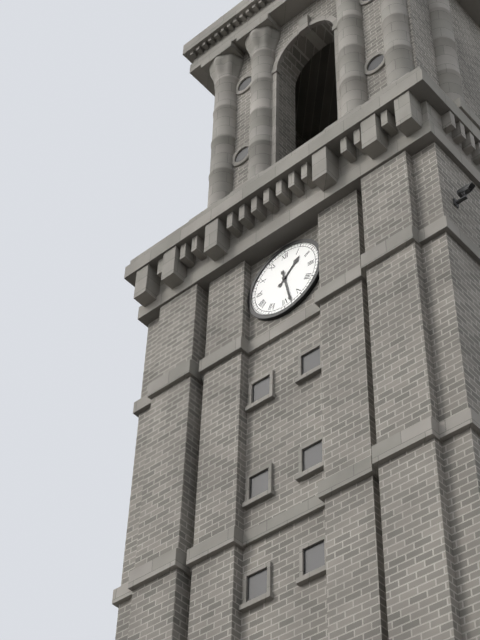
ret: {"hour": 1, "minute": 28}
